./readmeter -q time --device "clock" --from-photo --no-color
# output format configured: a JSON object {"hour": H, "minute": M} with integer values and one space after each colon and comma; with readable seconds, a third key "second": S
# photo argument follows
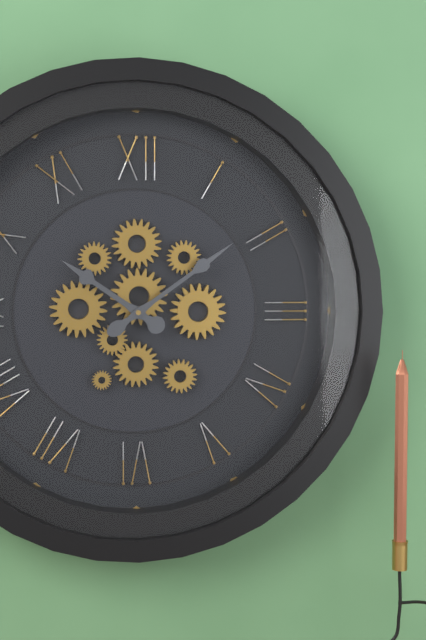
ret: {"hour": 10, "minute": 9}
